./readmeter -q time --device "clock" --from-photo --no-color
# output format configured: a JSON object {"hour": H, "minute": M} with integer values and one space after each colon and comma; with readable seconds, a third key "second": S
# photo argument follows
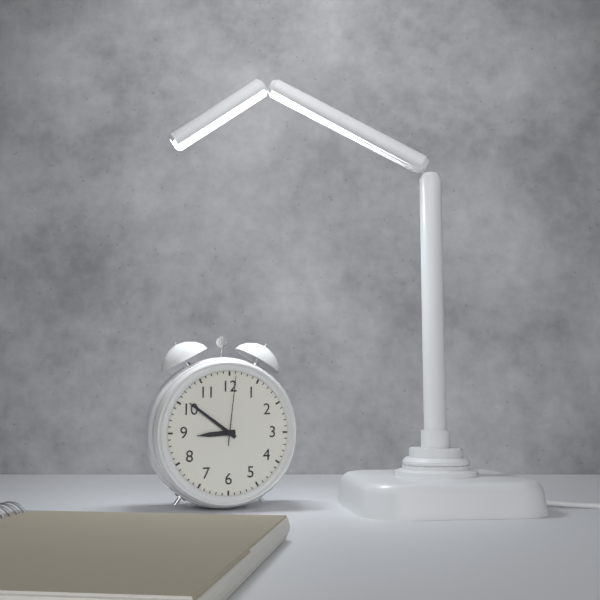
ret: {"hour": 8, "minute": 51, "second": 1}
